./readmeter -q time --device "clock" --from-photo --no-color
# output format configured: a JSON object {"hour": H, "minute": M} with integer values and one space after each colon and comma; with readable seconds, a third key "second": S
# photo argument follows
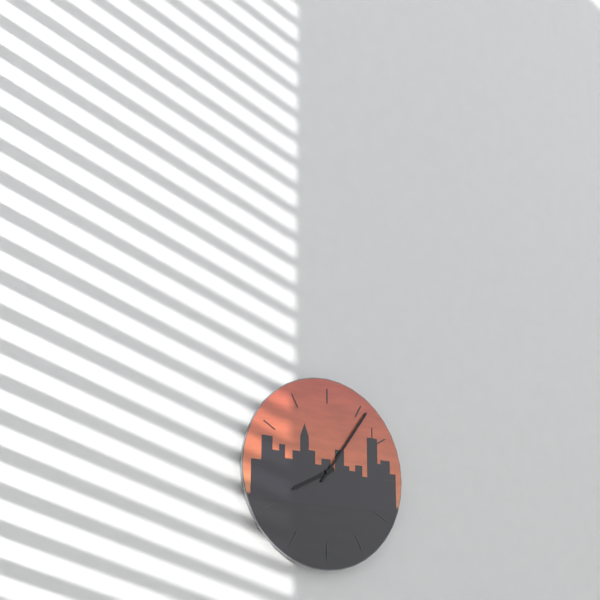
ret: {"hour": 8, "minute": 6}
